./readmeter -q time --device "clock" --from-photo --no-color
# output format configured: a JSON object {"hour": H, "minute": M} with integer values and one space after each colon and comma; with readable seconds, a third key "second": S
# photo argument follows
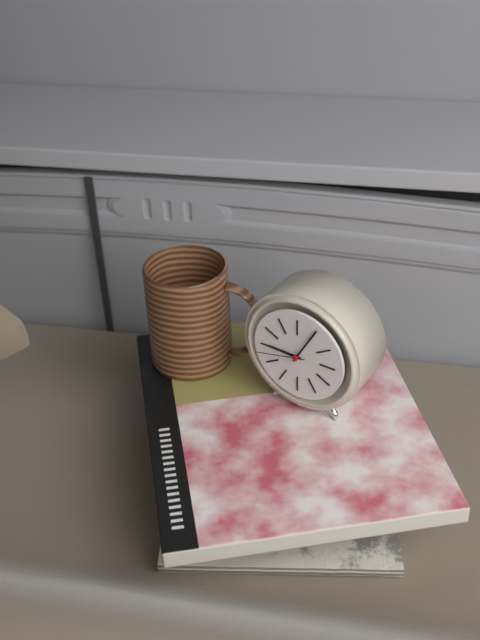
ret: {"hour": 9, "minute": 5, "second": 43}
